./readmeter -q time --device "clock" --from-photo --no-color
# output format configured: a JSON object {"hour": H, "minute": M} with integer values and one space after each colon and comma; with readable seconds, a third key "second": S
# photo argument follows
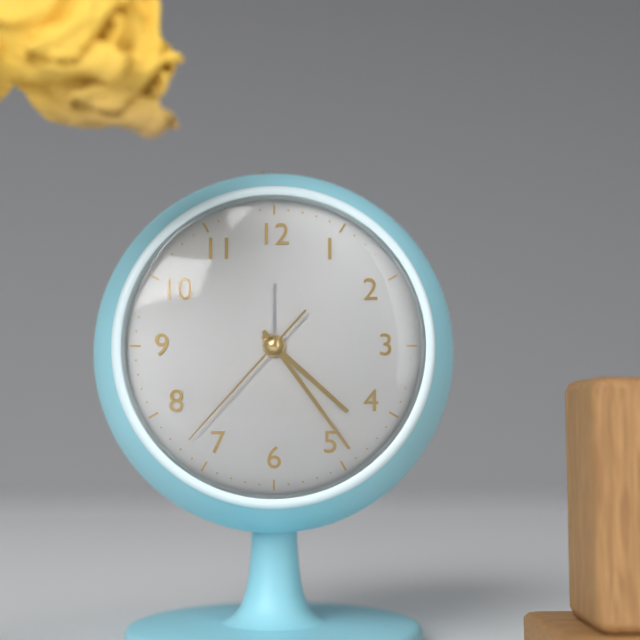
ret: {"hour": 4, "minute": 24, "second": 37}
